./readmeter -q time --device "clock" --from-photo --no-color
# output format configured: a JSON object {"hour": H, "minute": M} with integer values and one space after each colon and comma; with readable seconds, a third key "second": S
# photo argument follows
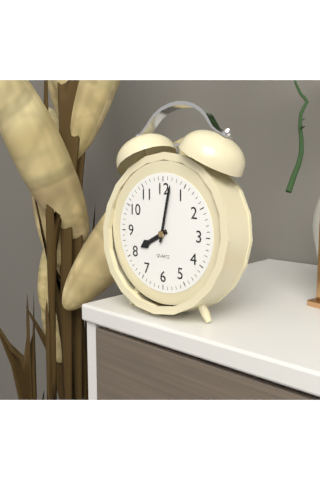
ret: {"hour": 8, "minute": 2}
